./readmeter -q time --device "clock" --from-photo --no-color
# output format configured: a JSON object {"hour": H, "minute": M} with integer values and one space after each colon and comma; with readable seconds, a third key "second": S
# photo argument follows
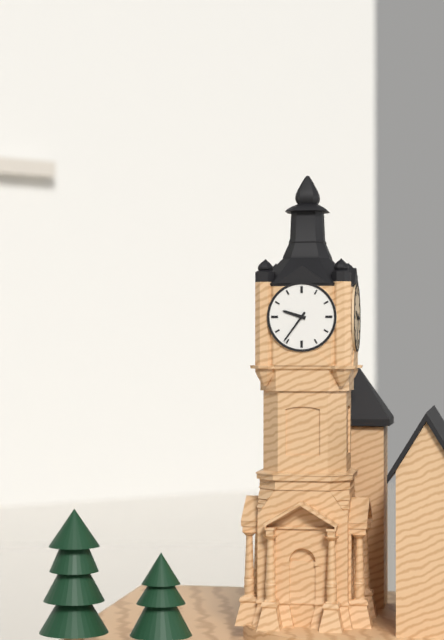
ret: {"hour": 9, "minute": 36}
